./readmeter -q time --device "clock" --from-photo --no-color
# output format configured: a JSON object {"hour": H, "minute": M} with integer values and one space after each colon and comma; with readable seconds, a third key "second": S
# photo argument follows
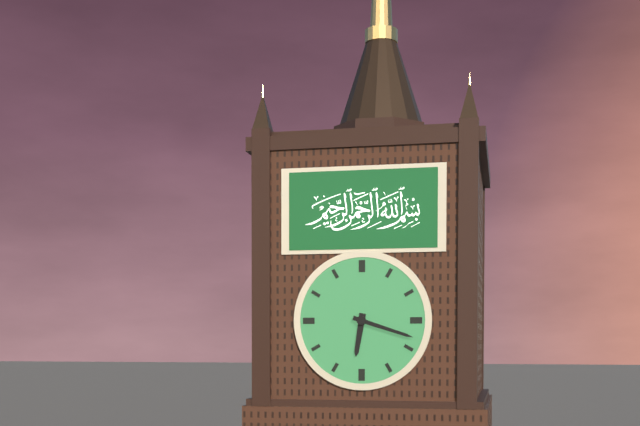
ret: {"hour": 6, "minute": 18}
